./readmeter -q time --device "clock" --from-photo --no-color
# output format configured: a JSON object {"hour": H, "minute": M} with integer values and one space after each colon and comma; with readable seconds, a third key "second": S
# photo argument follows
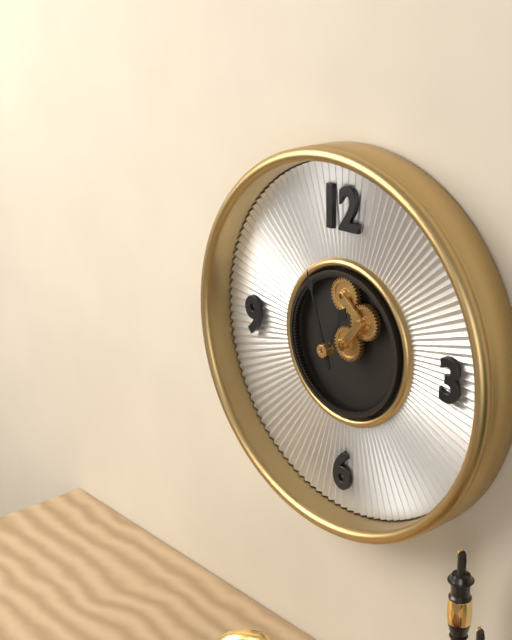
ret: {"hour": 12, "minute": 57}
